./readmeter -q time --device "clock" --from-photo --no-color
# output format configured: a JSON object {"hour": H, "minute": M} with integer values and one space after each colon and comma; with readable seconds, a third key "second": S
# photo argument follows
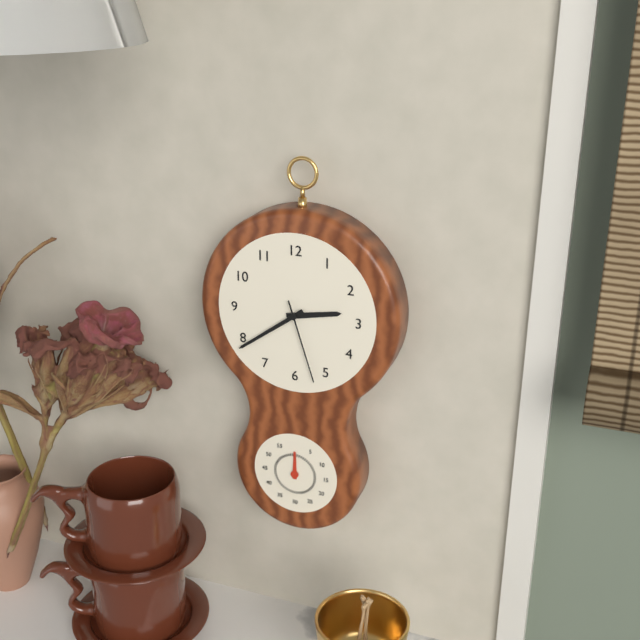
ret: {"hour": 2, "minute": 39, "second": 27}
